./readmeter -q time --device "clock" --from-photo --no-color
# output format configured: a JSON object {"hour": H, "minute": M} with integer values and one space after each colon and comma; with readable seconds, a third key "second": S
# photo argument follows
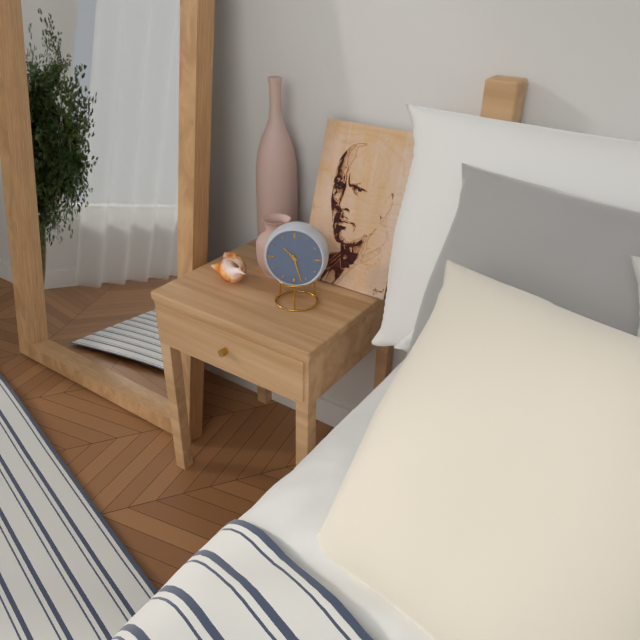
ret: {"hour": 10, "minute": 27}
